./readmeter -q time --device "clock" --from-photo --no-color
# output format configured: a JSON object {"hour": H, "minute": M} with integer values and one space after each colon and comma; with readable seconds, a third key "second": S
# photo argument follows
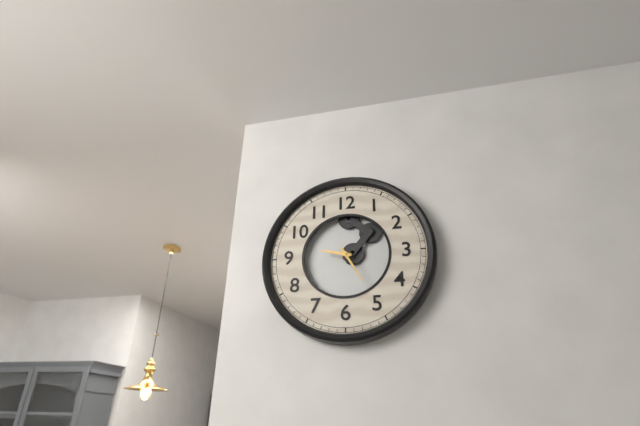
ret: {"hour": 9, "minute": 25}
